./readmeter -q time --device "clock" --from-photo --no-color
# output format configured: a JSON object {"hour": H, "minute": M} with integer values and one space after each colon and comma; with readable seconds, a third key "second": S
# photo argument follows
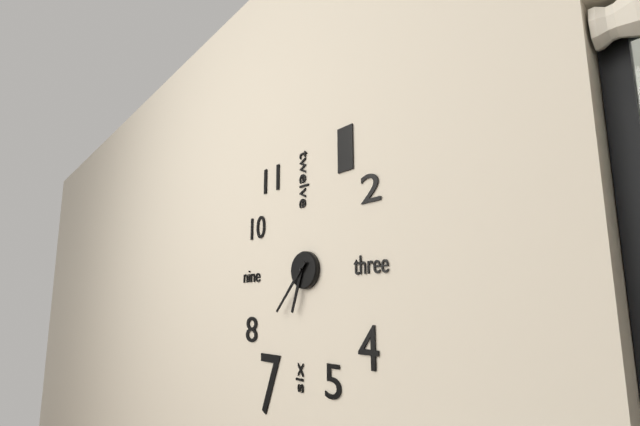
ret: {"hour": 6, "minute": 37}
